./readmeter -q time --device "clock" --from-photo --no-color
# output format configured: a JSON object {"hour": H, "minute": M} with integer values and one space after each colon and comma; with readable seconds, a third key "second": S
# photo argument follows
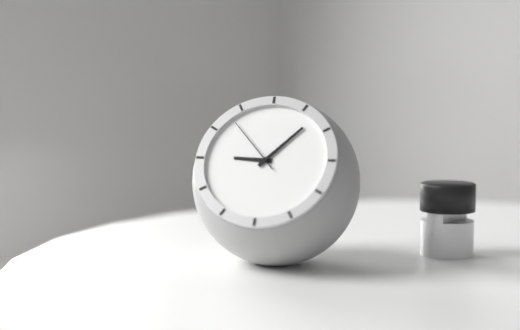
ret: {"hour": 9, "minute": 7, "second": 53}
